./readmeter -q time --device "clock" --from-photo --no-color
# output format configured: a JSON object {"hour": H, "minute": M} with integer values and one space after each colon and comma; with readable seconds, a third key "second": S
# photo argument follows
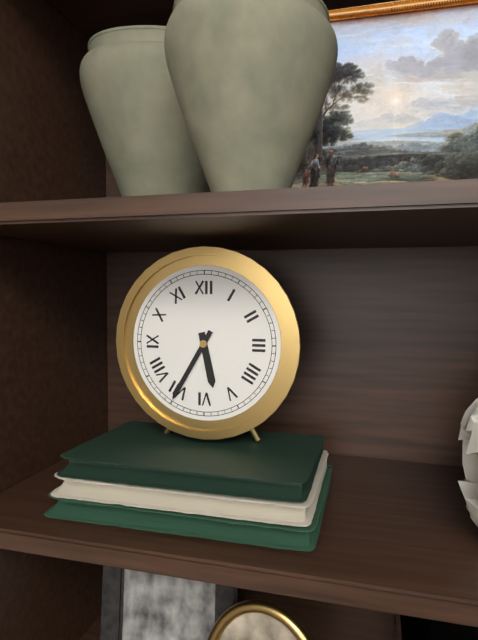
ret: {"hour": 5, "minute": 35}
